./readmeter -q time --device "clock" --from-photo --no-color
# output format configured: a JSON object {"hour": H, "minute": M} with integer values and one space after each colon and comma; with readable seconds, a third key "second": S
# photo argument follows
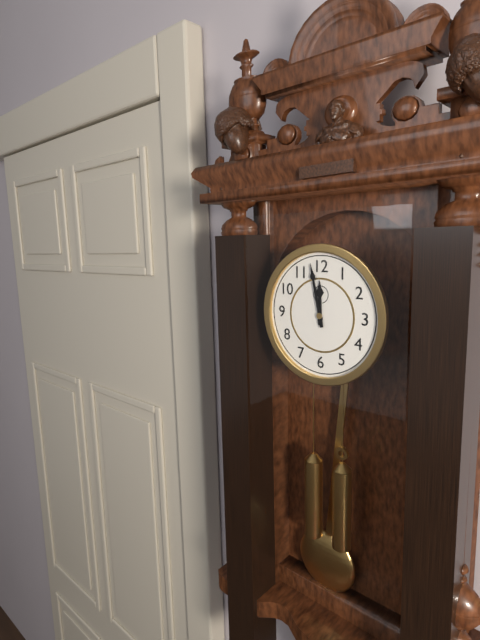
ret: {"hour": 11, "minute": 58}
